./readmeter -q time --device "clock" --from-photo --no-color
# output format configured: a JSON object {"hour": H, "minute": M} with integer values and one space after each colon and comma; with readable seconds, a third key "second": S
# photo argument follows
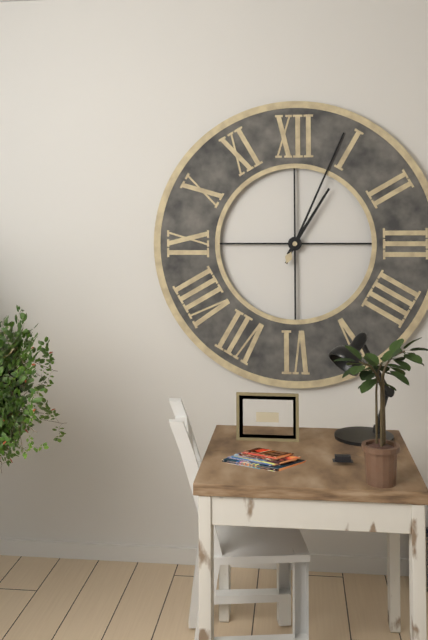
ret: {"hour": 1, "minute": 4}
